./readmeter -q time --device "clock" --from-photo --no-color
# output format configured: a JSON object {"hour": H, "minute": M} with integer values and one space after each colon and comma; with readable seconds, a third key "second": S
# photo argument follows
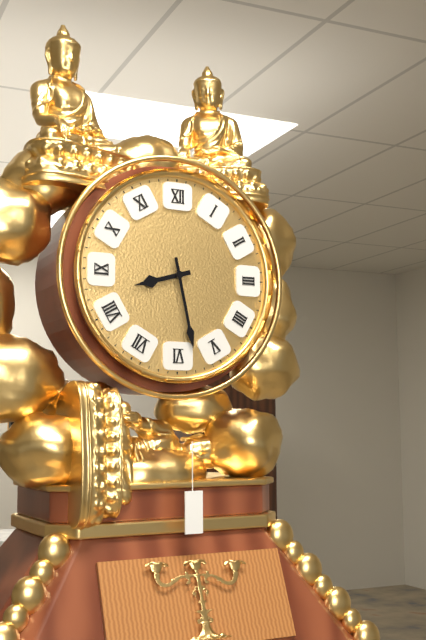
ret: {"hour": 8, "minute": 28}
